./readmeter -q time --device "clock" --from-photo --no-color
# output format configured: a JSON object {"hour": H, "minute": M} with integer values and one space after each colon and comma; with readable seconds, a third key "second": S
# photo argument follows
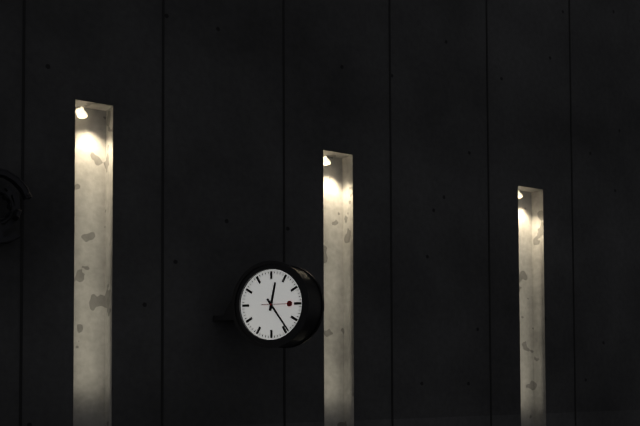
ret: {"hour": 12, "minute": 24}
